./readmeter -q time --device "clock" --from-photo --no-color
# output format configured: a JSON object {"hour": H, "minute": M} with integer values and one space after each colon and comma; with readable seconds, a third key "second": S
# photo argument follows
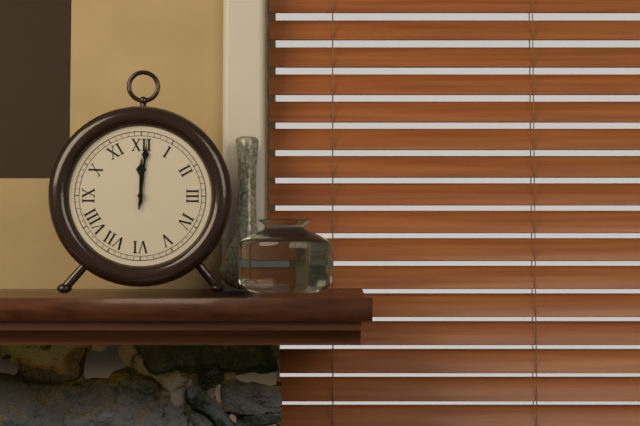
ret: {"hour": 12, "minute": 1, "second": 1}
